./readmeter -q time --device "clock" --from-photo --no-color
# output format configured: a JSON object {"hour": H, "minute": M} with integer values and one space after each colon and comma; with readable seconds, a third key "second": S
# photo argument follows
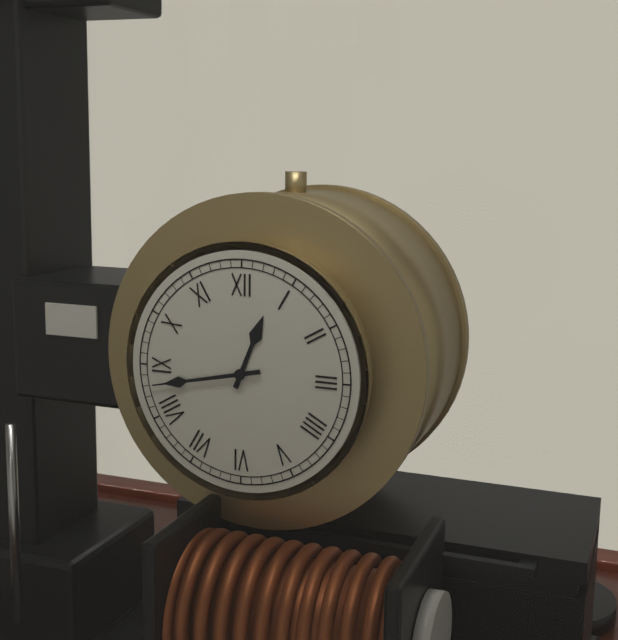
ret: {"hour": 12, "minute": 43}
